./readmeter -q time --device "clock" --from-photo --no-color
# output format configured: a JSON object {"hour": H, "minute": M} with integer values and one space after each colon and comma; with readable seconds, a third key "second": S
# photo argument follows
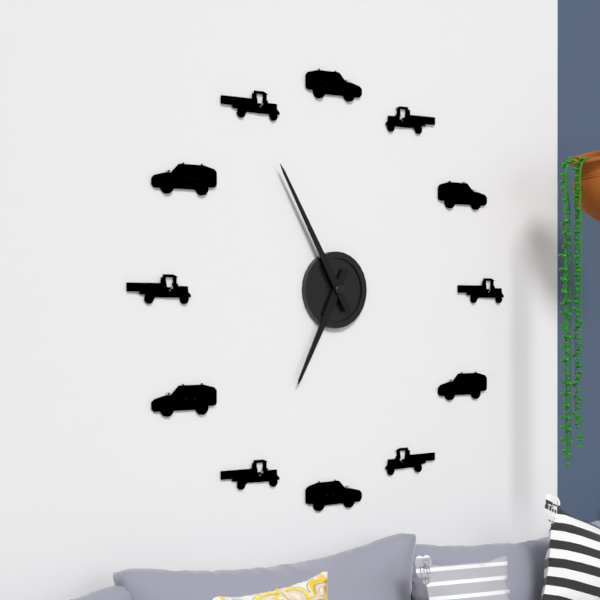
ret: {"hour": 6, "minute": 55}
